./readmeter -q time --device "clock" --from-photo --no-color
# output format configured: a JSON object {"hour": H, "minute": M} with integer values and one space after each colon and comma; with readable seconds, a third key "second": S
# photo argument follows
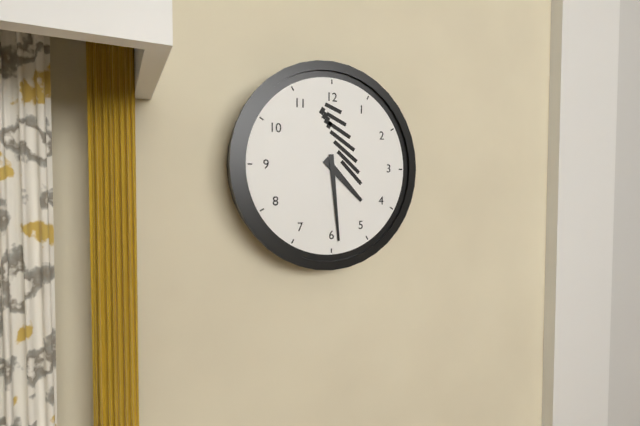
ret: {"hour": 4, "minute": 29}
